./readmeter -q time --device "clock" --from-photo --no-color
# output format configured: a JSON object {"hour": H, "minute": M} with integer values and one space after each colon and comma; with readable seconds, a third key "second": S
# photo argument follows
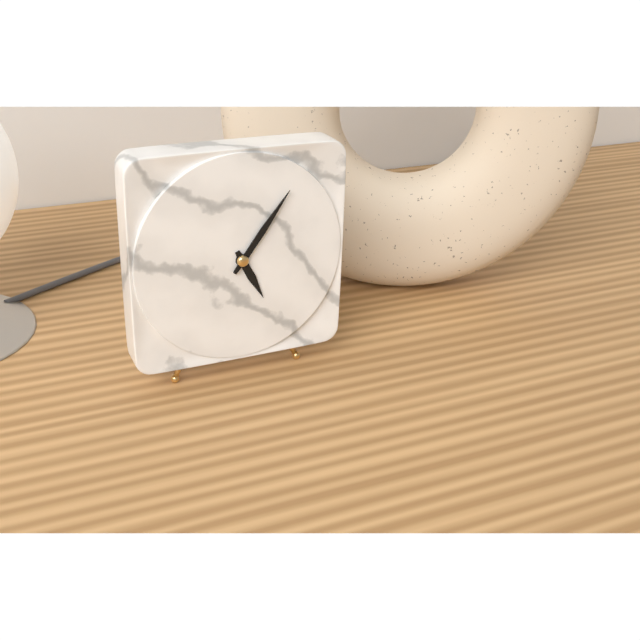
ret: {"hour": 5, "minute": 6}
